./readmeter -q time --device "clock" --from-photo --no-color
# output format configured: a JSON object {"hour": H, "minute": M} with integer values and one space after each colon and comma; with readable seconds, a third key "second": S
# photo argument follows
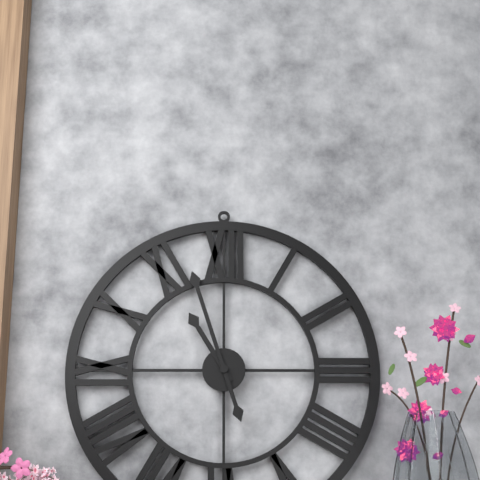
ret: {"hour": 10, "minute": 57}
